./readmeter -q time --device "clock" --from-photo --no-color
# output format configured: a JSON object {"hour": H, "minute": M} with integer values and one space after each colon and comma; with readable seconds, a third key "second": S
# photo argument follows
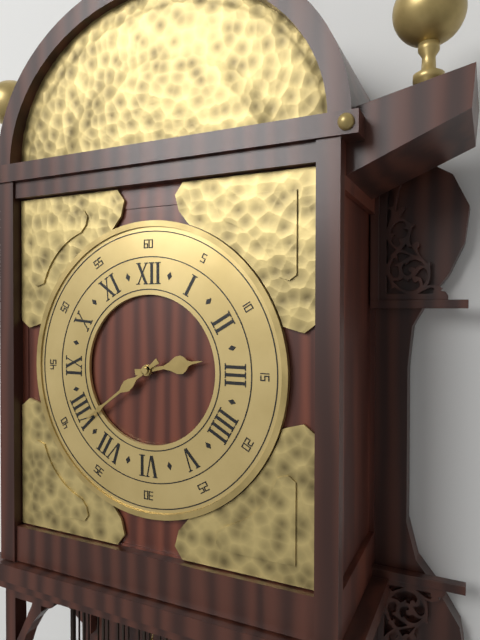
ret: {"hour": 2, "minute": 39}
